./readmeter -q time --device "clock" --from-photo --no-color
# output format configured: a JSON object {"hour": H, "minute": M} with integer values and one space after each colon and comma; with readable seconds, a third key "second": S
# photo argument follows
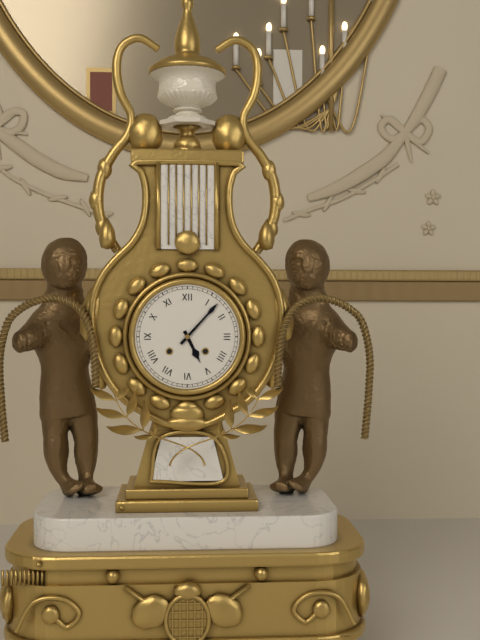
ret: {"hour": 5, "minute": 7}
